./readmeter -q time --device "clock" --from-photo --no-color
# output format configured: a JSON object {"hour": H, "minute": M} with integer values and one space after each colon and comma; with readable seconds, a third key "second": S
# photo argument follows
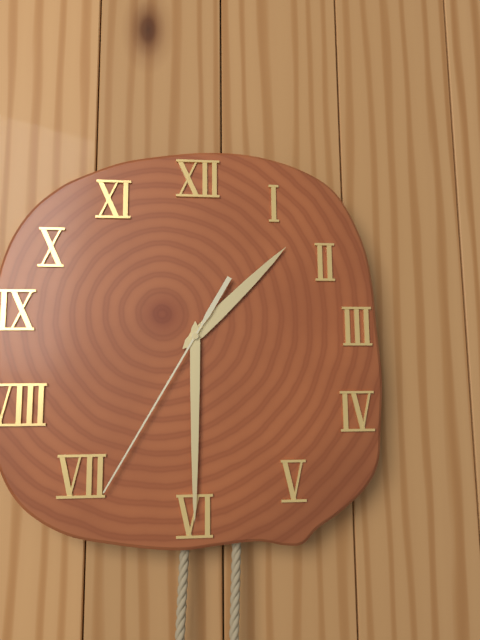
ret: {"hour": 1, "minute": 30, "second": 35}
